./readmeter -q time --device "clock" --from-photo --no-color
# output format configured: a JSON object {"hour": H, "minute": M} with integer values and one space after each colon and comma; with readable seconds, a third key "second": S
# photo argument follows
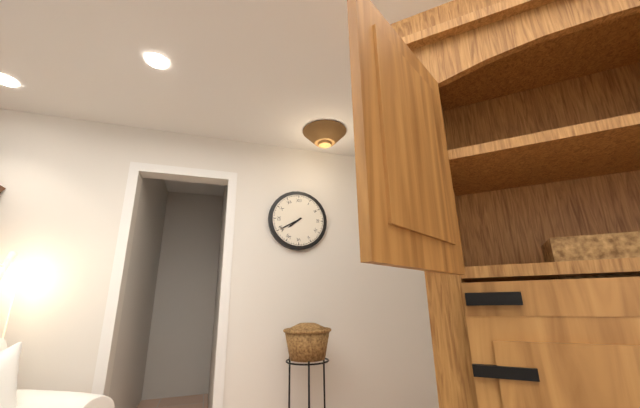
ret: {"hour": 7, "minute": 40}
